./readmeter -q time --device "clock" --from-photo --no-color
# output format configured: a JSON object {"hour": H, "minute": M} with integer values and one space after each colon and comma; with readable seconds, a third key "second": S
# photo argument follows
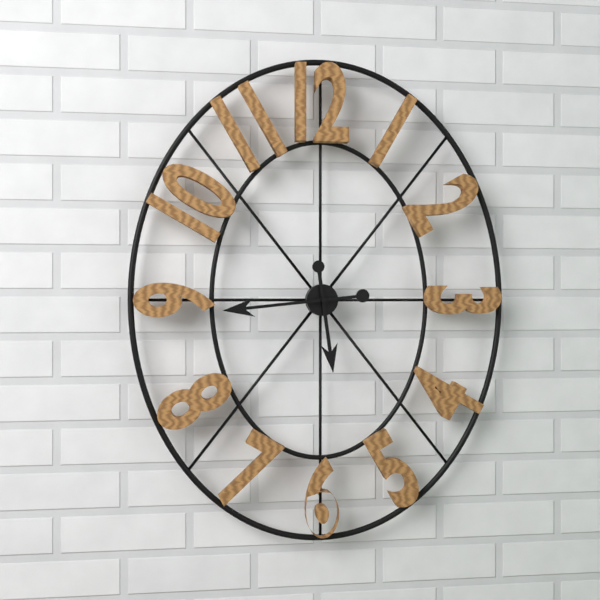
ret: {"hour": 5, "minute": 44}
